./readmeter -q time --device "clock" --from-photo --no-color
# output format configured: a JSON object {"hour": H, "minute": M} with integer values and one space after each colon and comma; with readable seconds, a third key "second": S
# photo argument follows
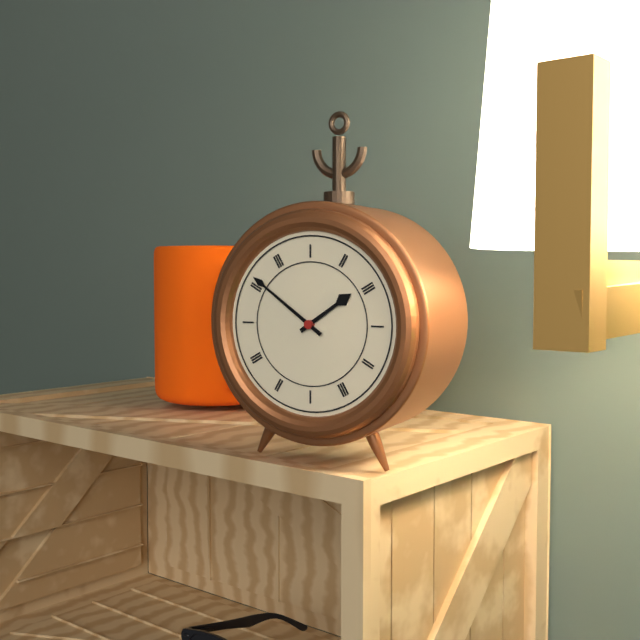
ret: {"hour": 1, "minute": 51}
